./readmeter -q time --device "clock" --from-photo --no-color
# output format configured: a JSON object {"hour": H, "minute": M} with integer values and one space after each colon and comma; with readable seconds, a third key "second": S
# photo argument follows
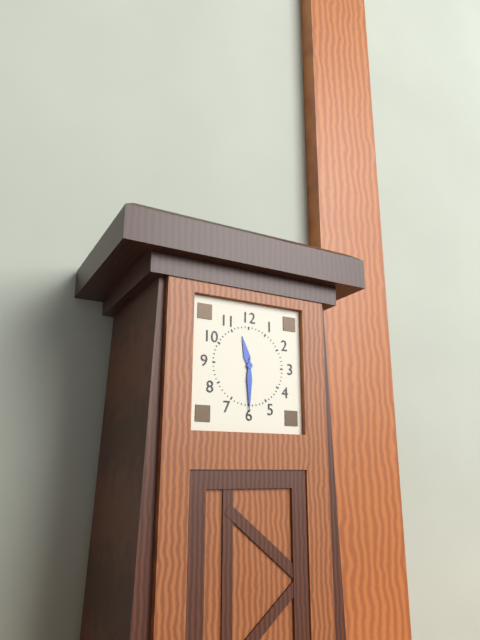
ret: {"hour": 11, "minute": 30}
